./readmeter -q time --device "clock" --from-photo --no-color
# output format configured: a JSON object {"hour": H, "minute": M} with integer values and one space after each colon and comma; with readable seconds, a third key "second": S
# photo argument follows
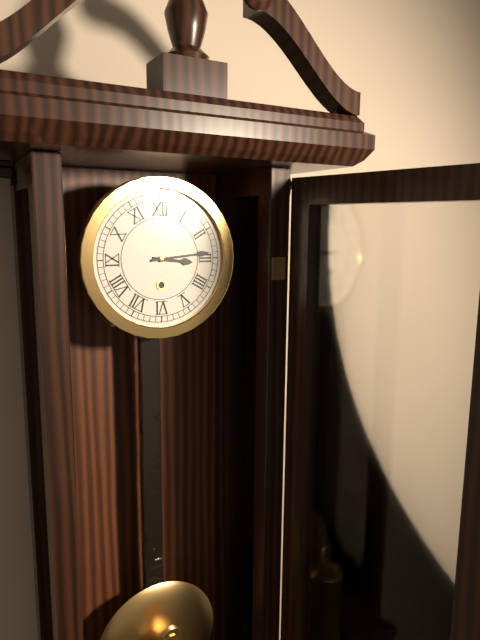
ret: {"hour": 3, "minute": 14}
